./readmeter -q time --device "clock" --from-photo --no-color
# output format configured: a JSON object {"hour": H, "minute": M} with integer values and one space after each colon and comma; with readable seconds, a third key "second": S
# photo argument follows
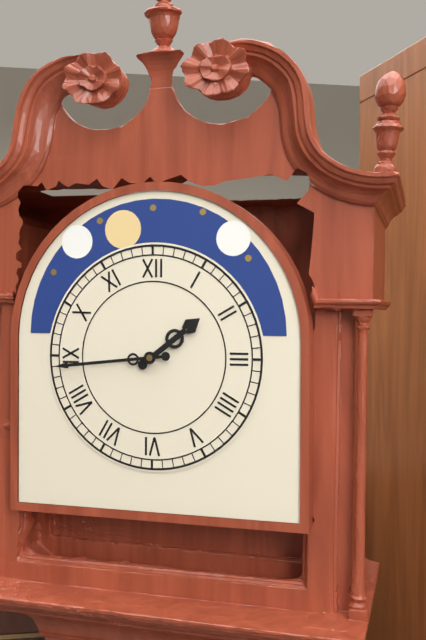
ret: {"hour": 1, "minute": 44}
